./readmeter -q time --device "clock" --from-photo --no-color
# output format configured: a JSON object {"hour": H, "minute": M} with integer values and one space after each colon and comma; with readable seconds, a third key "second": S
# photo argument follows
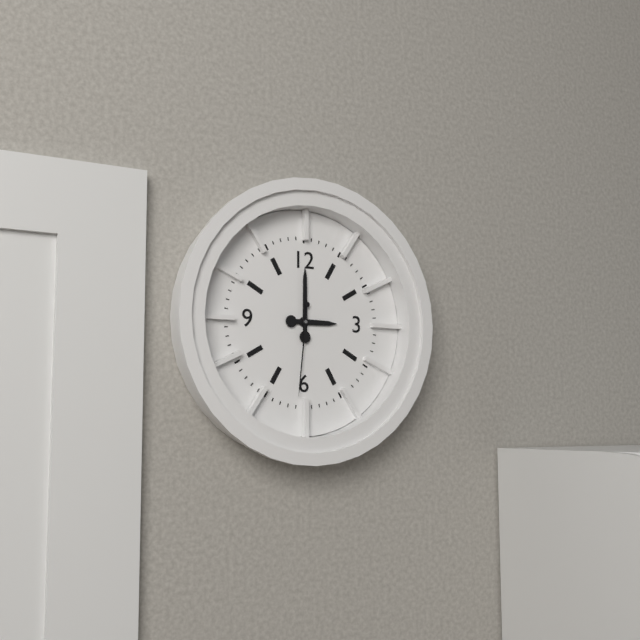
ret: {"hour": 3, "minute": 0, "second": 31}
